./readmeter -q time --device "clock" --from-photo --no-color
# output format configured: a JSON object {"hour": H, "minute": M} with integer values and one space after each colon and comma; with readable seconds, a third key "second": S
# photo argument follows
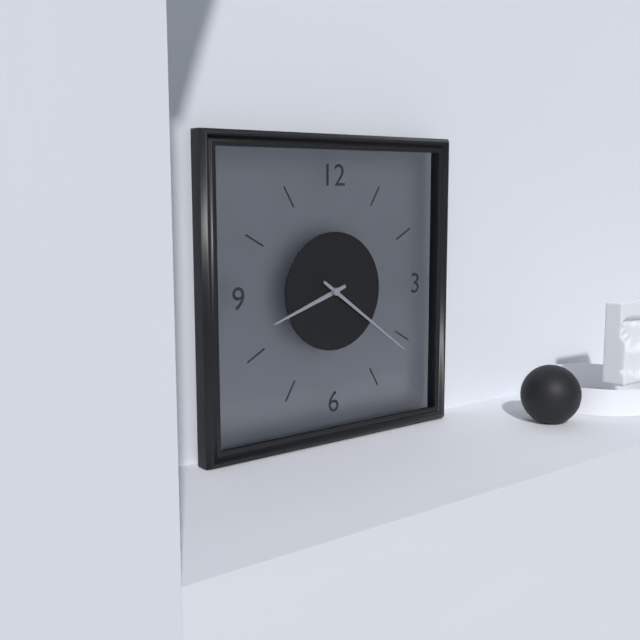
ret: {"hour": 8, "minute": 21}
